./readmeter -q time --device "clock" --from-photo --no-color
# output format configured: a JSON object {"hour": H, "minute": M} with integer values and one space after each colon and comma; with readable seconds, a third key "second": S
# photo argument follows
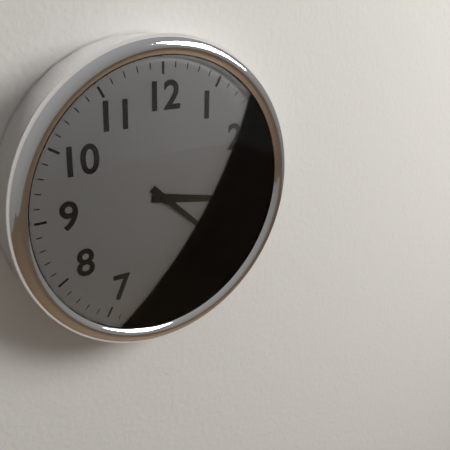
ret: {"hour": 3, "minute": 22}
